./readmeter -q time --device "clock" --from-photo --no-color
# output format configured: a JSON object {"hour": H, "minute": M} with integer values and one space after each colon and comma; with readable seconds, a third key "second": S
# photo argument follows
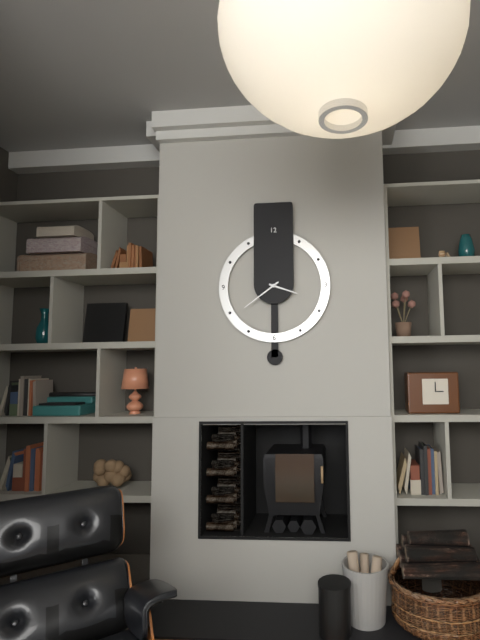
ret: {"hour": 3, "minute": 39}
